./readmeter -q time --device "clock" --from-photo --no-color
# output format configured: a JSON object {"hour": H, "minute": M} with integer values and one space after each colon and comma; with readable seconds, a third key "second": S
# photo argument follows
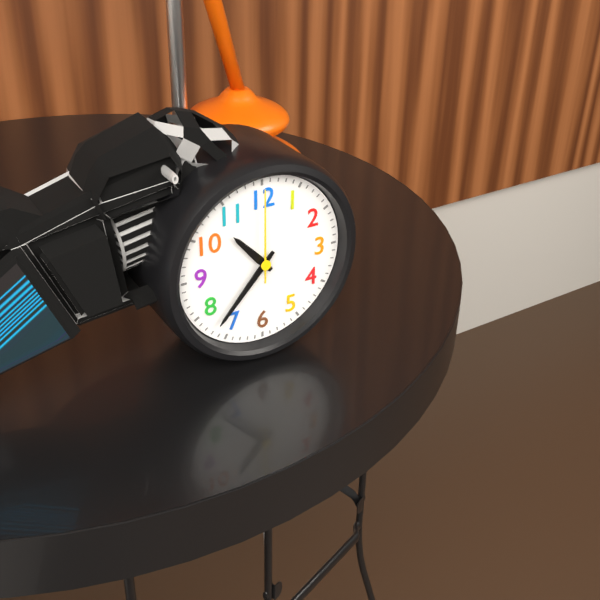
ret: {"hour": 10, "minute": 37, "second": 0}
